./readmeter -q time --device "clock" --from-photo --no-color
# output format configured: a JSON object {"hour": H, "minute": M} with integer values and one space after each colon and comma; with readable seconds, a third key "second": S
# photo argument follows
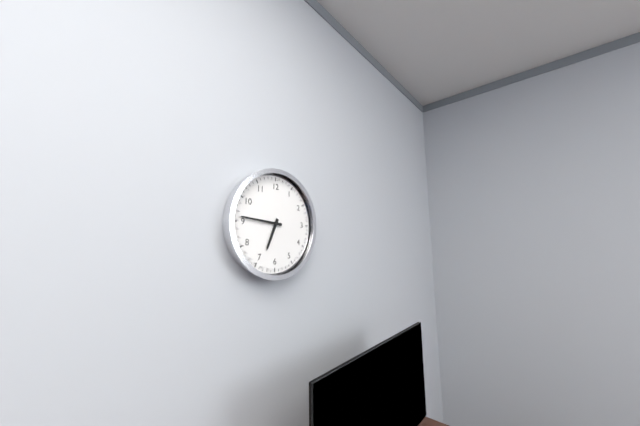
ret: {"hour": 6, "minute": 46}
